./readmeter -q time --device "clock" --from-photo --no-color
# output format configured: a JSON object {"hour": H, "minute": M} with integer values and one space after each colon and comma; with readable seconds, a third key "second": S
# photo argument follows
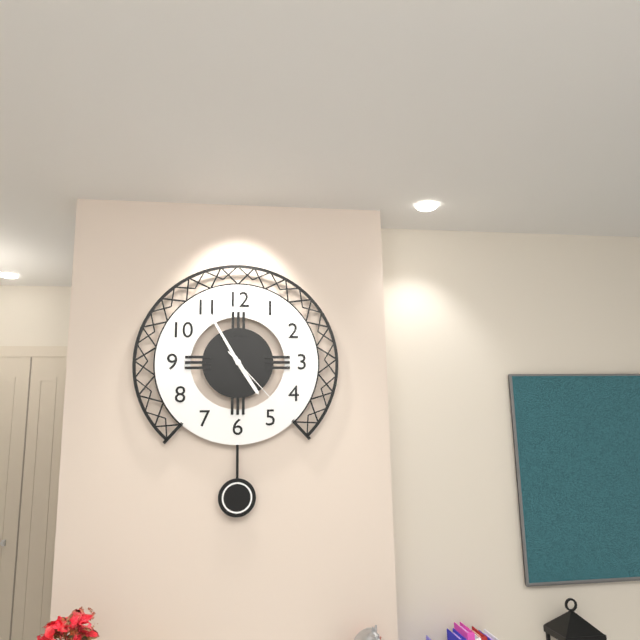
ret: {"hour": 4, "minute": 55, "second": 23}
